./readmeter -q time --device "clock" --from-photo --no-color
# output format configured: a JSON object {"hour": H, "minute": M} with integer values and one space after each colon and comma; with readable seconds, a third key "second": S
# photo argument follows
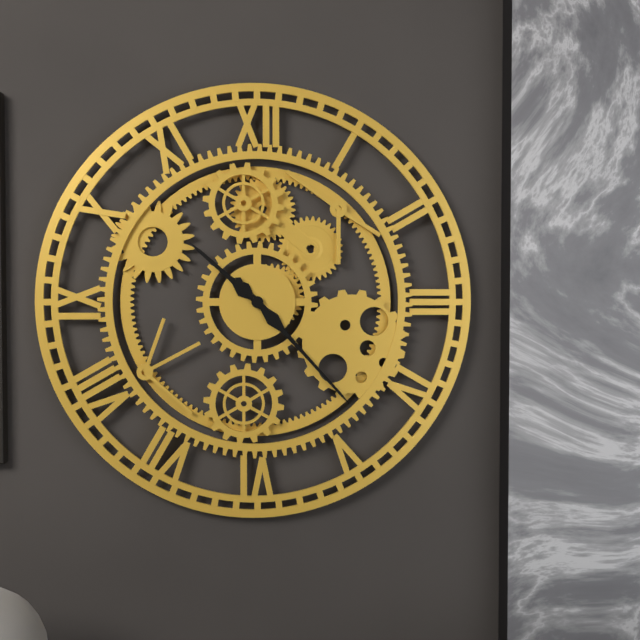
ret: {"hour": 10, "minute": 23}
